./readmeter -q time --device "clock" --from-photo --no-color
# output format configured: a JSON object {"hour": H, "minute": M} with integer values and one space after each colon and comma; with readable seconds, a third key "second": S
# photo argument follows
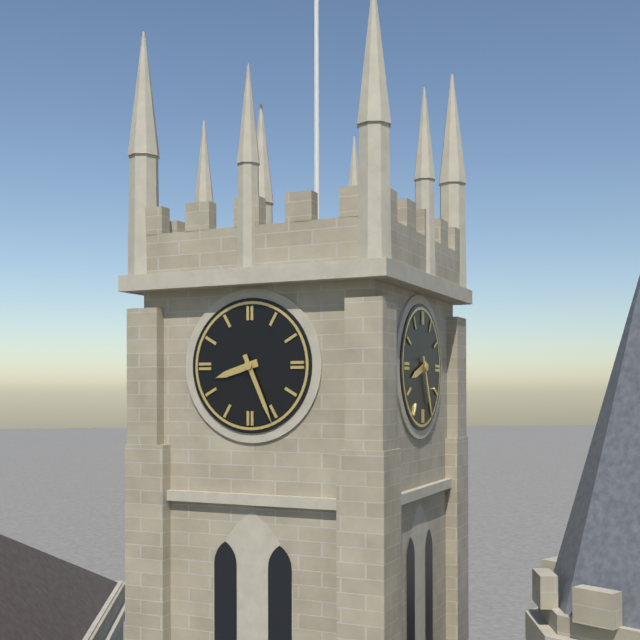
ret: {"hour": 8, "minute": 26}
